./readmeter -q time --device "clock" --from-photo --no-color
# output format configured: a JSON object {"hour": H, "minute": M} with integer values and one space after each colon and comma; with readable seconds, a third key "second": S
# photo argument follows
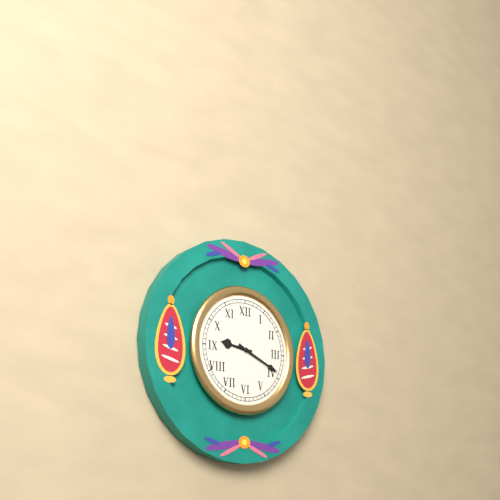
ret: {"hour": 9, "minute": 19}
